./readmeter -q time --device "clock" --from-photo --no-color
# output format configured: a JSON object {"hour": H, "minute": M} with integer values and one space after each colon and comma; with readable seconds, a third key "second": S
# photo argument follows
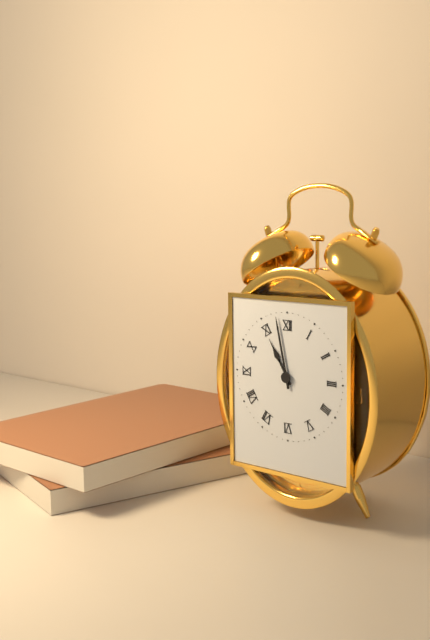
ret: {"hour": 10, "minute": 58}
